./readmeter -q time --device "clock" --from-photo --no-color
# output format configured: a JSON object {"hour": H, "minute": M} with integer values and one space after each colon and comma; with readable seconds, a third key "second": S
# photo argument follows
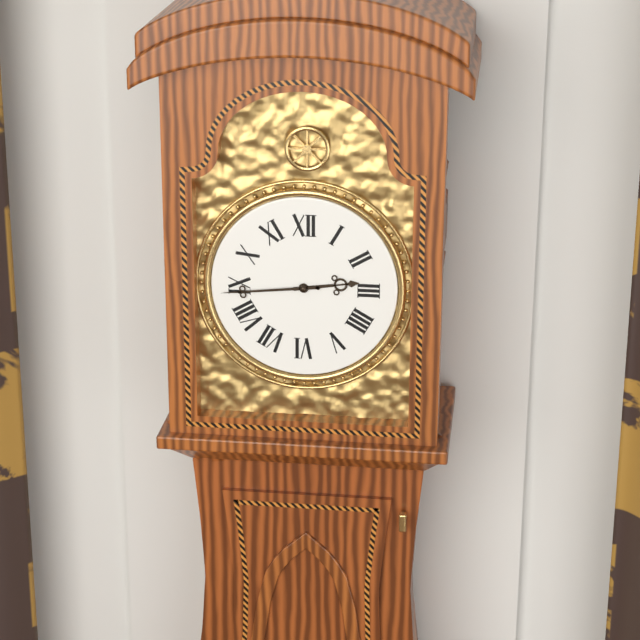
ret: {"hour": 2, "minute": 44}
